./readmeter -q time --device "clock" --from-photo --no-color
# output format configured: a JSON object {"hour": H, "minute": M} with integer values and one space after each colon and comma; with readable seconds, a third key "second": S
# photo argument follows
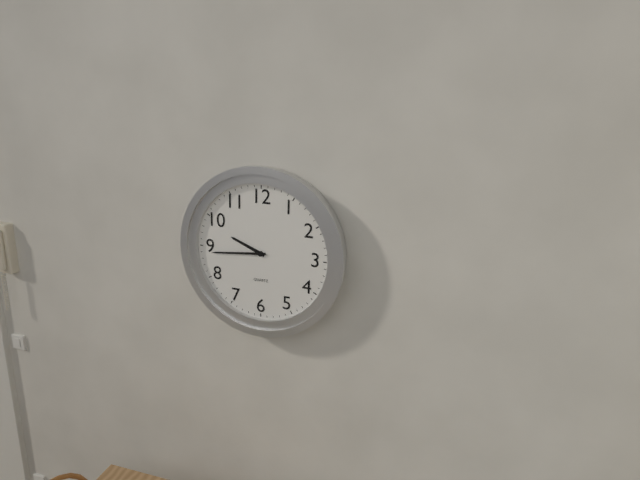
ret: {"hour": 9, "minute": 44}
